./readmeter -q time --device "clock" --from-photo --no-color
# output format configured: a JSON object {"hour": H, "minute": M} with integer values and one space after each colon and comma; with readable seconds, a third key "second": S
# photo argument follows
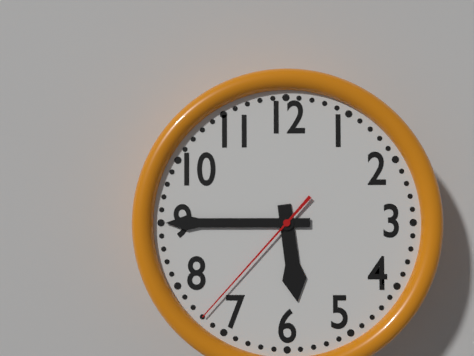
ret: {"hour": 5, "minute": 45, "second": 37}
